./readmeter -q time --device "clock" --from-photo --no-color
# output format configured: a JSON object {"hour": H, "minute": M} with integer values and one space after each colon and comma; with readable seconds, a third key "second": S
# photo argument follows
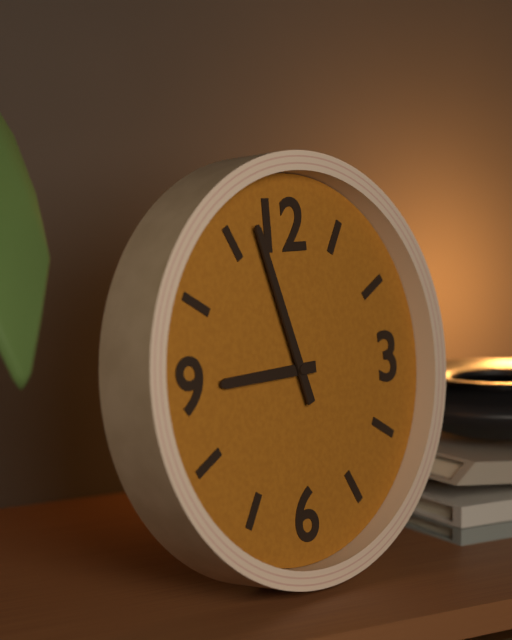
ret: {"hour": 8, "minute": 57}
